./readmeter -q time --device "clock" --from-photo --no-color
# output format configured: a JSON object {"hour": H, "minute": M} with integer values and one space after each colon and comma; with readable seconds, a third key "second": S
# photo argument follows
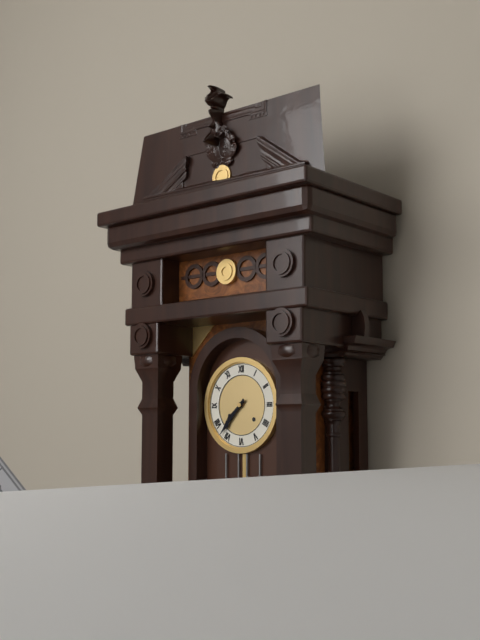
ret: {"hour": 7, "minute": 37}
